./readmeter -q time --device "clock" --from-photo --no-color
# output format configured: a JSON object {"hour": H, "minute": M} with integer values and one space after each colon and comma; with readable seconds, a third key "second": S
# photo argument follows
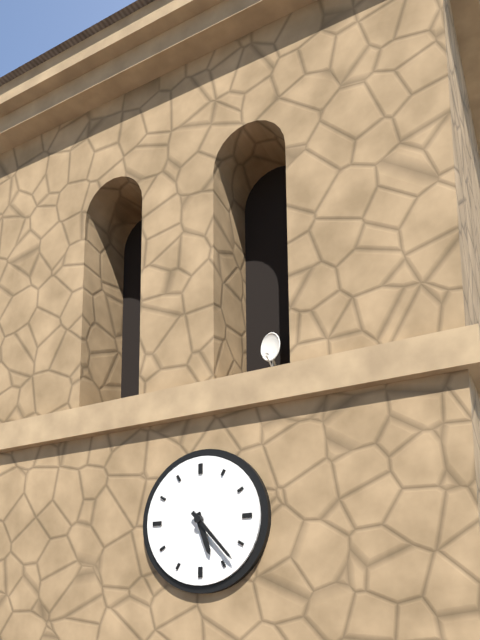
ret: {"hour": 5, "minute": 23}
